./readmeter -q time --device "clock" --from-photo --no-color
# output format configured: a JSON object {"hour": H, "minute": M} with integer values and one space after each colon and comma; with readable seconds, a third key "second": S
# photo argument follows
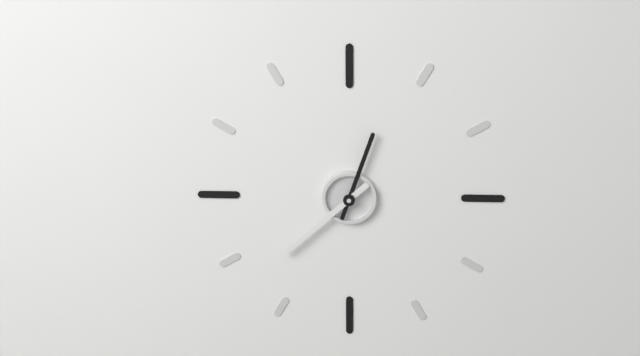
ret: {"hour": 12, "minute": 38}
